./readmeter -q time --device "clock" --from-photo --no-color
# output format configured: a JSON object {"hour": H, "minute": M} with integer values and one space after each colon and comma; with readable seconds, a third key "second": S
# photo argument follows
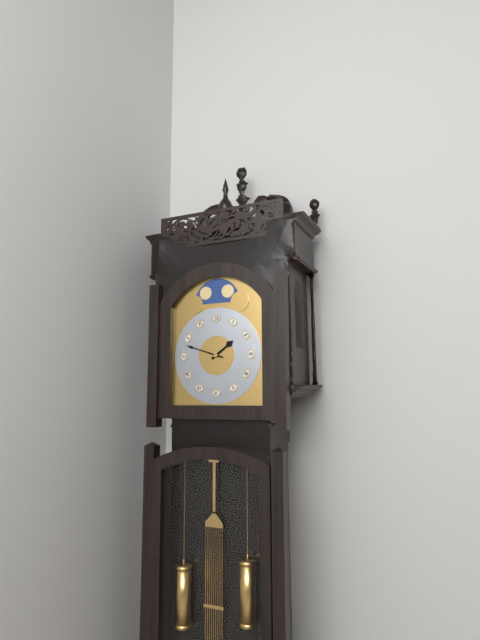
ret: {"hour": 1, "minute": 48}
